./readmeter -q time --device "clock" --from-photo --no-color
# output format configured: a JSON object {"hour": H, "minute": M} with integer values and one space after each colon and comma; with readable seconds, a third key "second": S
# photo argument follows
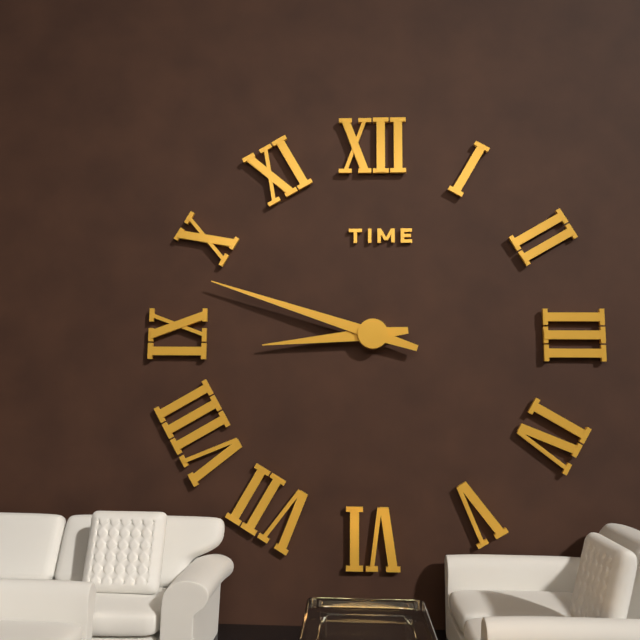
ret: {"hour": 8, "minute": 48}
